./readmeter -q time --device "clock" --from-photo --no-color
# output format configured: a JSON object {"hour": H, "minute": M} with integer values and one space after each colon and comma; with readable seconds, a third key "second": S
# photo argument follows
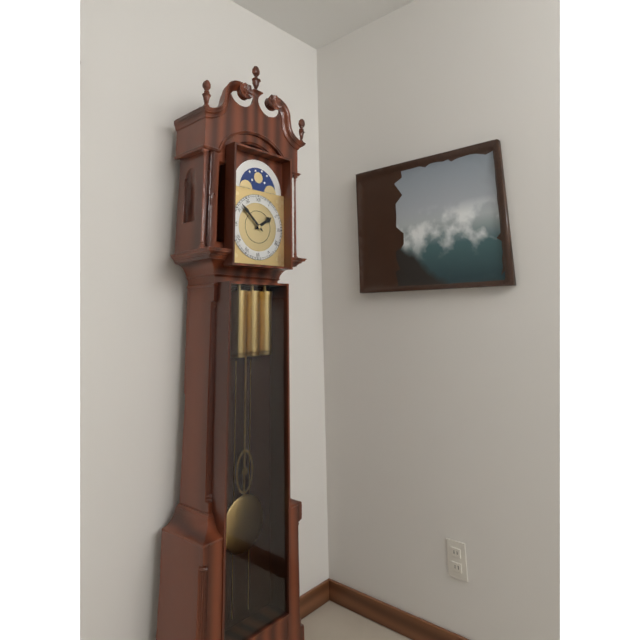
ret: {"hour": 1, "minute": 52}
